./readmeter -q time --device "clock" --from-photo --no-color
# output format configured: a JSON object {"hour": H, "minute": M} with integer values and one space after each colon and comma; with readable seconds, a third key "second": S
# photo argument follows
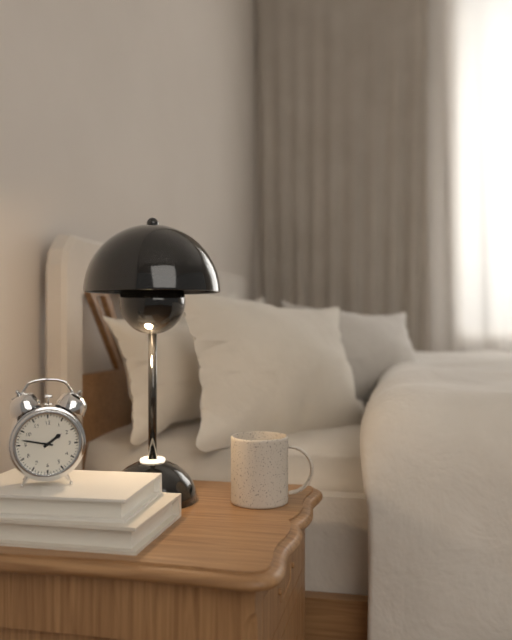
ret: {"hour": 1, "minute": 47}
